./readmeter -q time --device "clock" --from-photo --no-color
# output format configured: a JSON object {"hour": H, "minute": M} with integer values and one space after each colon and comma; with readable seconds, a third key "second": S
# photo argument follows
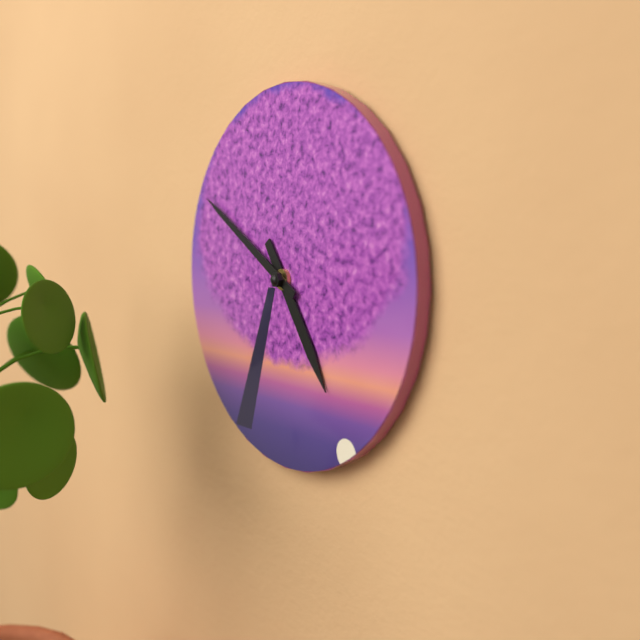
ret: {"hour": 4, "minute": 50}
